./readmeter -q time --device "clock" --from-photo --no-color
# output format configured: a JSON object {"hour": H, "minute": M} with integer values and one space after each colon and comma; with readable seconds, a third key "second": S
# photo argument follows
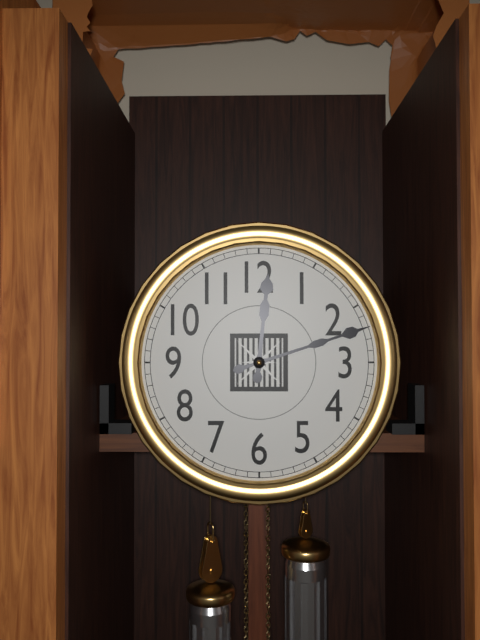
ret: {"hour": 12, "minute": 12}
